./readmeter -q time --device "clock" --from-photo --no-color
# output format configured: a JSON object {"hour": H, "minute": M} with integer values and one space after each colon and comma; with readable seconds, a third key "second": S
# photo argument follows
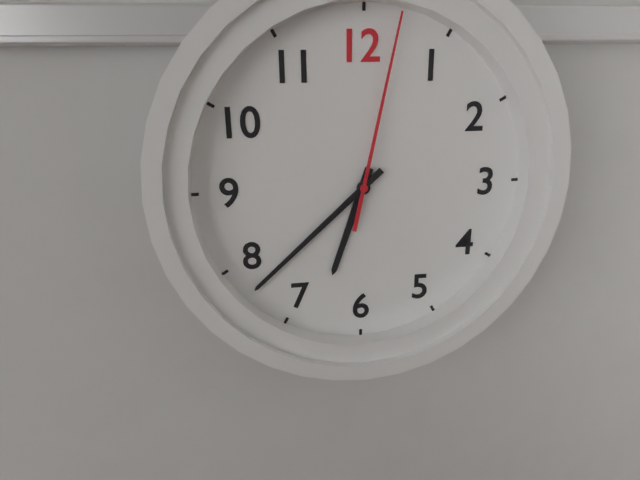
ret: {"hour": 6, "minute": 38, "second": 2}
